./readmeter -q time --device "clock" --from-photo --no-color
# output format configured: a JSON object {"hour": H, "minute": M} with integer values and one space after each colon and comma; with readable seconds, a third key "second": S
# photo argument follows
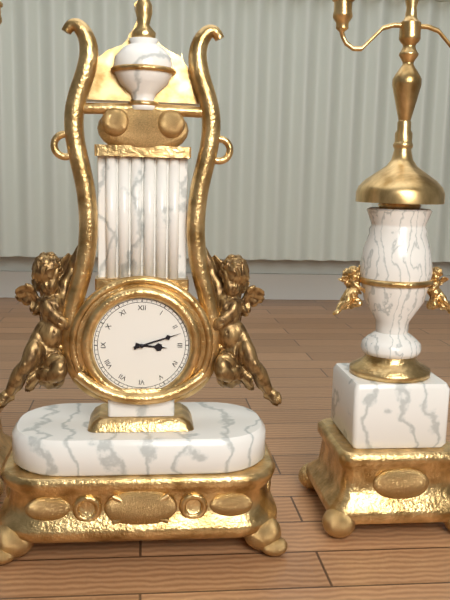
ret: {"hour": 3, "minute": 12}
